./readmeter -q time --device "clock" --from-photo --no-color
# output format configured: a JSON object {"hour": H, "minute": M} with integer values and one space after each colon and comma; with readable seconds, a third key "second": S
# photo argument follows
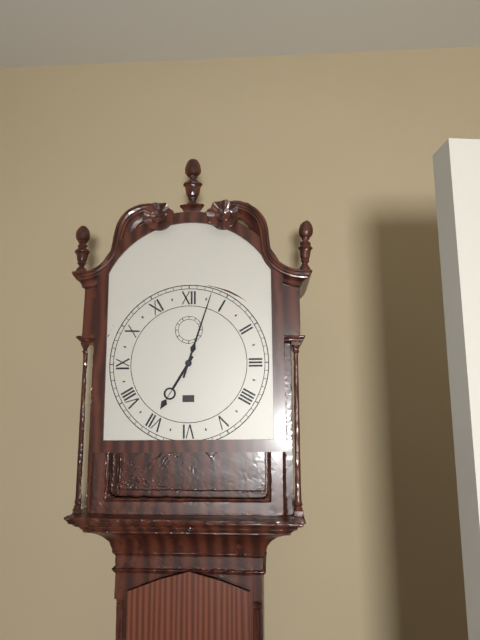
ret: {"hour": 7, "minute": 3}
